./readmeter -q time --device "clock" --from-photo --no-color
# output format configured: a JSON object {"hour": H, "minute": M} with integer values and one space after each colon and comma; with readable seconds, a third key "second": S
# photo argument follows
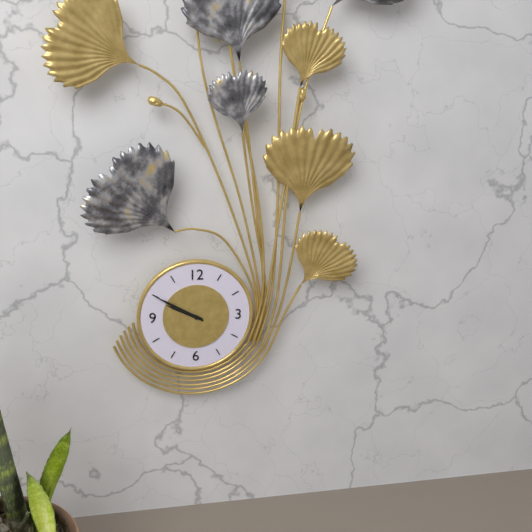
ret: {"hour": 9, "minute": 50}
